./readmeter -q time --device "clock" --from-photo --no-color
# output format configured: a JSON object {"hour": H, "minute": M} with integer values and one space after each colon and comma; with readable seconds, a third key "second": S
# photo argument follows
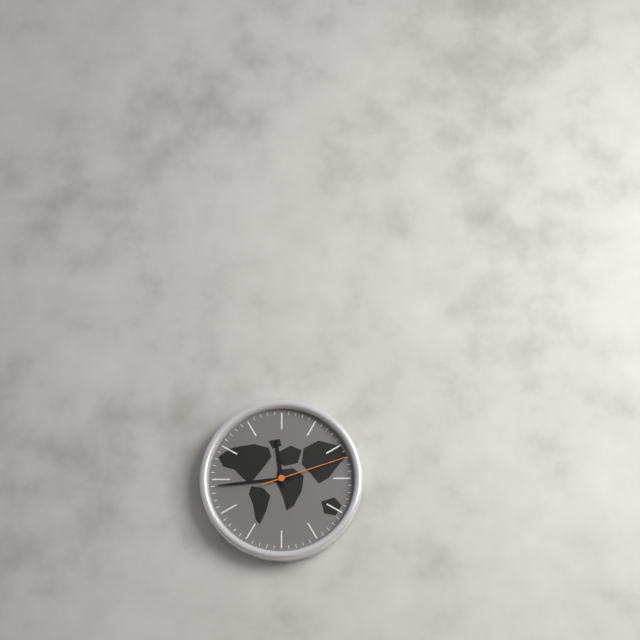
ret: {"hour": 11, "minute": 44, "second": 12}
